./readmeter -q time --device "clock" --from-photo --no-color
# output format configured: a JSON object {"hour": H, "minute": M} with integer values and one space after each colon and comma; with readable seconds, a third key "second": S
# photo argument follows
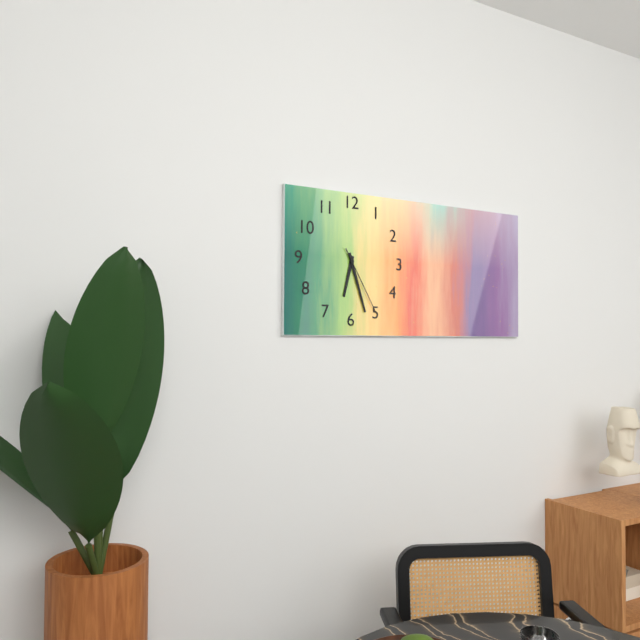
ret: {"hour": 6, "minute": 27, "second": 25}
